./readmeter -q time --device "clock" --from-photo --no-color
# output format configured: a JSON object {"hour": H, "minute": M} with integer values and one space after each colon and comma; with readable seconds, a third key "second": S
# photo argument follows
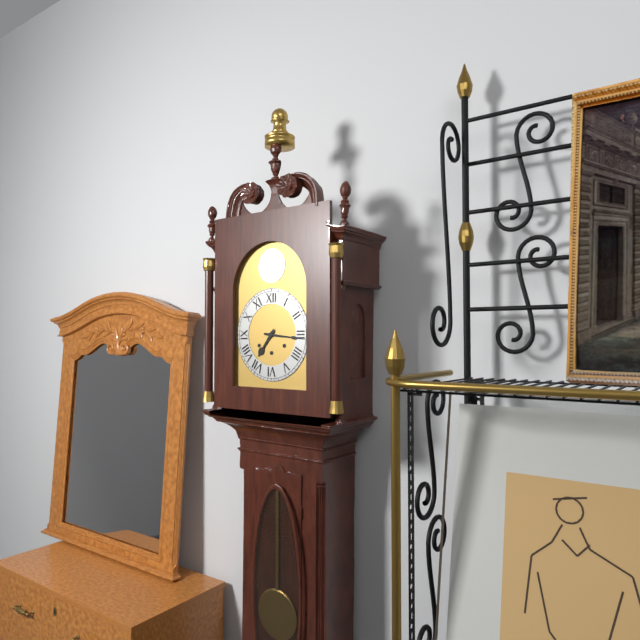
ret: {"hour": 7, "minute": 16}
